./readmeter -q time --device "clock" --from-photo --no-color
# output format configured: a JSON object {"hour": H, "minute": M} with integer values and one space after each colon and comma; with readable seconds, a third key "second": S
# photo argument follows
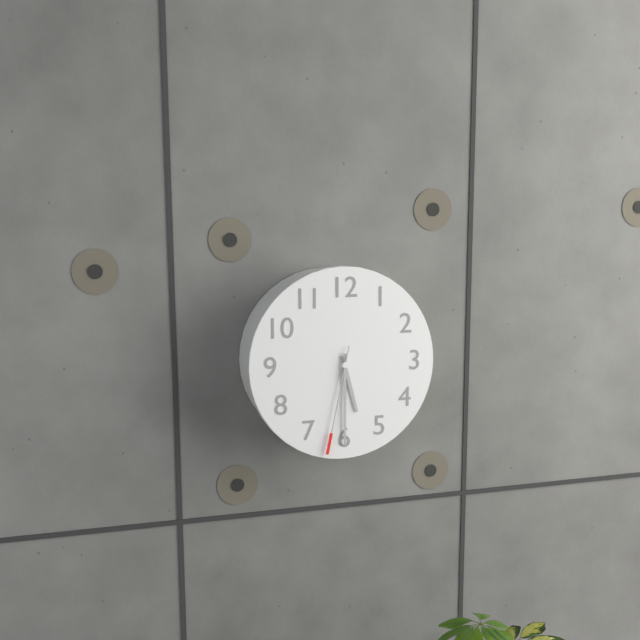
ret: {"hour": 5, "minute": 30, "second": 32}
